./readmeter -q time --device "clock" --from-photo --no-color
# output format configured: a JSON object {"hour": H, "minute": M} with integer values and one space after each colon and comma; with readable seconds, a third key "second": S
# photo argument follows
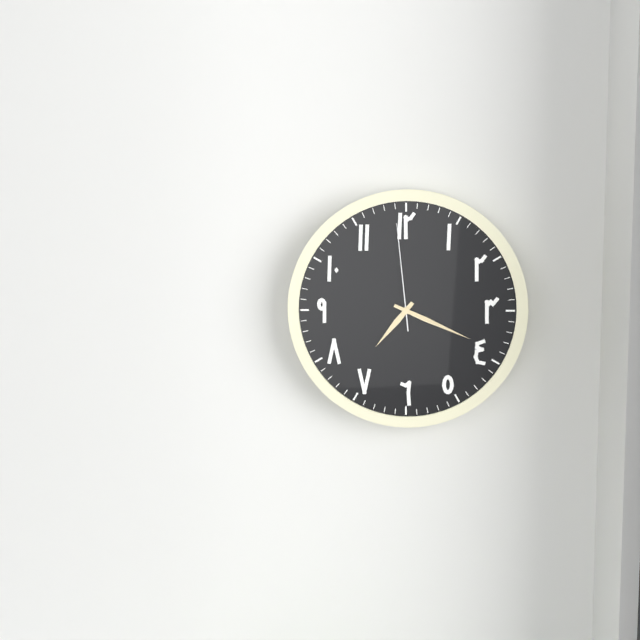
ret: {"hour": 7, "minute": 19, "second": 59}
